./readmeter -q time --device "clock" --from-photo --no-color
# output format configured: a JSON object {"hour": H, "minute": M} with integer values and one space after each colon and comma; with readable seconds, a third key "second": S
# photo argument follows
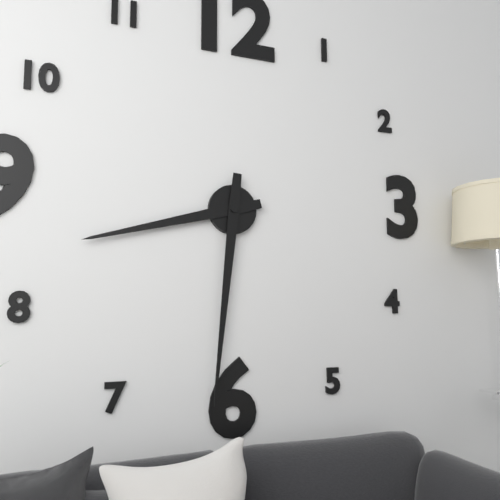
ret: {"hour": 8, "minute": 31}
